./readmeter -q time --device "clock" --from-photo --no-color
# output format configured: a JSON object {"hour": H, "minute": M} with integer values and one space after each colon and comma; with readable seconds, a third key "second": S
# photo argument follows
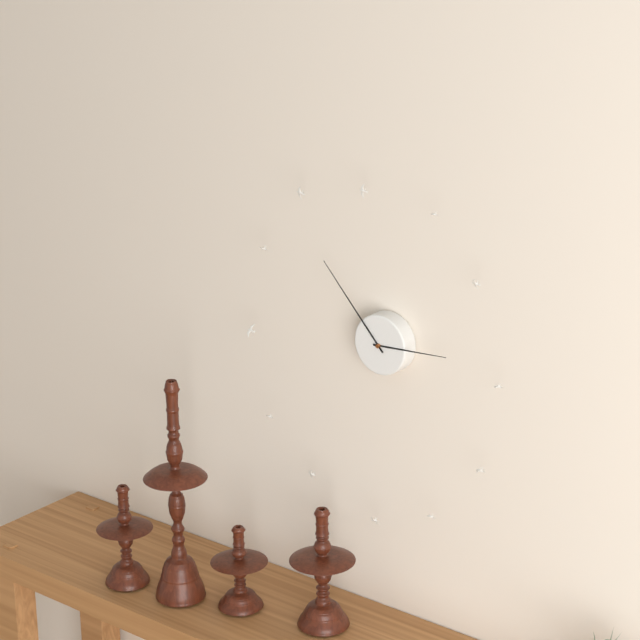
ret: {"hour": 2, "minute": 53}
